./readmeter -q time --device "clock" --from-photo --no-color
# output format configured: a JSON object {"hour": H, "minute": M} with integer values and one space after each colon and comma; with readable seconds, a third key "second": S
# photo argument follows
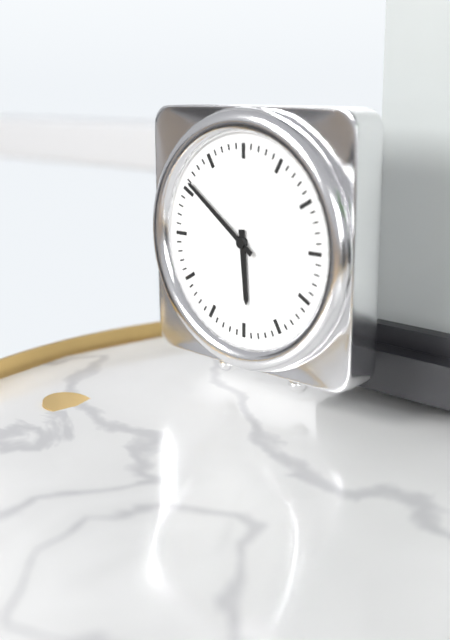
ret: {"hour": 5, "minute": 51}
